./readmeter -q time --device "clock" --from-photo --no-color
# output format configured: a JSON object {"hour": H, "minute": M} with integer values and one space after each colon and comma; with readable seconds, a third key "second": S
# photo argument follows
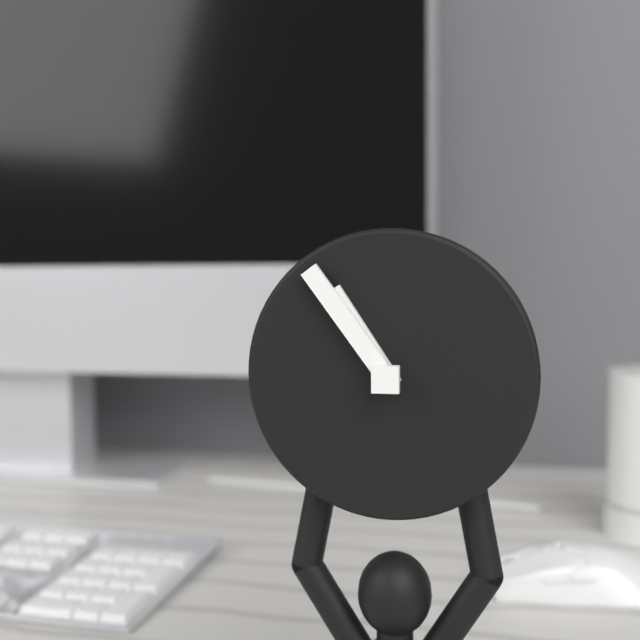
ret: {"hour": 10, "minute": 54}
